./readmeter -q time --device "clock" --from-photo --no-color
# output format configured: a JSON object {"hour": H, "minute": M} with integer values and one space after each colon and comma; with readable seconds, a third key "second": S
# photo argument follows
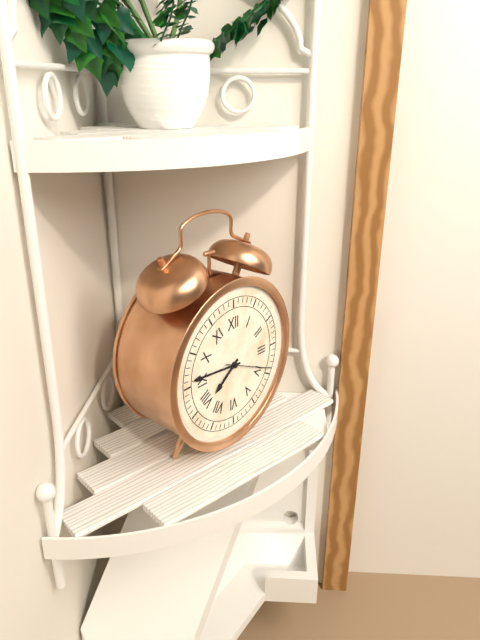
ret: {"hour": 7, "minute": 46}
